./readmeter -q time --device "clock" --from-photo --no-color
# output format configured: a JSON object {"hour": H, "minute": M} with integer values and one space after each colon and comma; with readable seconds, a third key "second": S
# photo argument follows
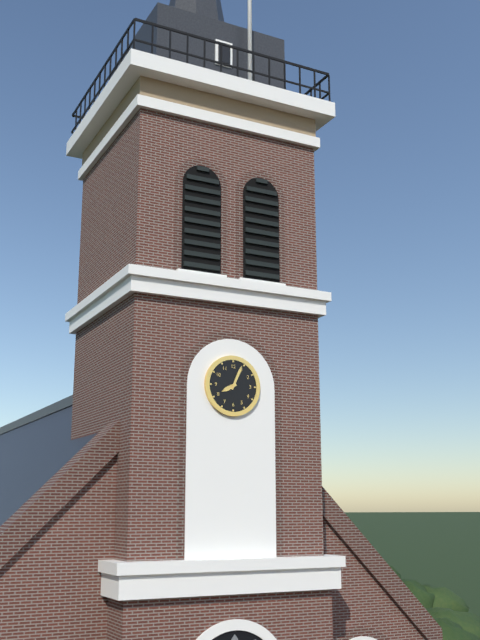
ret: {"hour": 8, "minute": 4}
